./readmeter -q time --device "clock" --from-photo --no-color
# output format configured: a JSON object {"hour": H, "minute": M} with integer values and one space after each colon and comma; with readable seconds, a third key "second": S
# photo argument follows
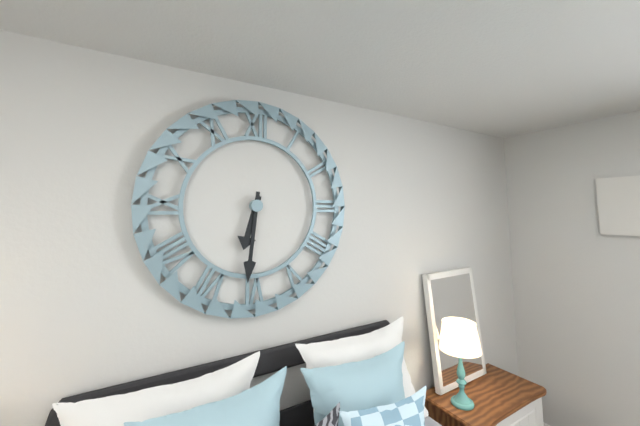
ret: {"hour": 6, "minute": 31}
